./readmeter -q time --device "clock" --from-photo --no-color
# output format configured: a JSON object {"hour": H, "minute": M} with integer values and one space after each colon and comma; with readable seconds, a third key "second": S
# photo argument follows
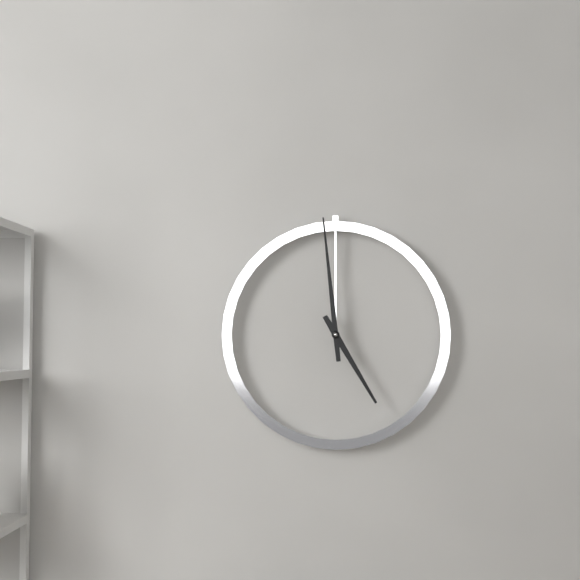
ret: {"hour": 4, "minute": 59}
